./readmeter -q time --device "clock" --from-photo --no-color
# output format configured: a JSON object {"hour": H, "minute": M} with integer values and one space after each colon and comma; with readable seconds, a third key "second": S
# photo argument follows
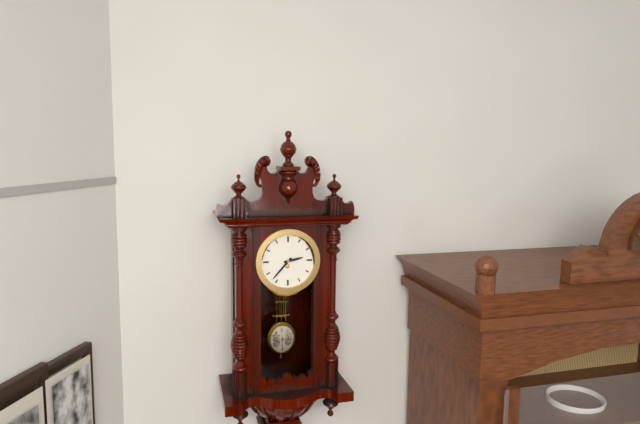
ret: {"hour": 2, "minute": 37}
